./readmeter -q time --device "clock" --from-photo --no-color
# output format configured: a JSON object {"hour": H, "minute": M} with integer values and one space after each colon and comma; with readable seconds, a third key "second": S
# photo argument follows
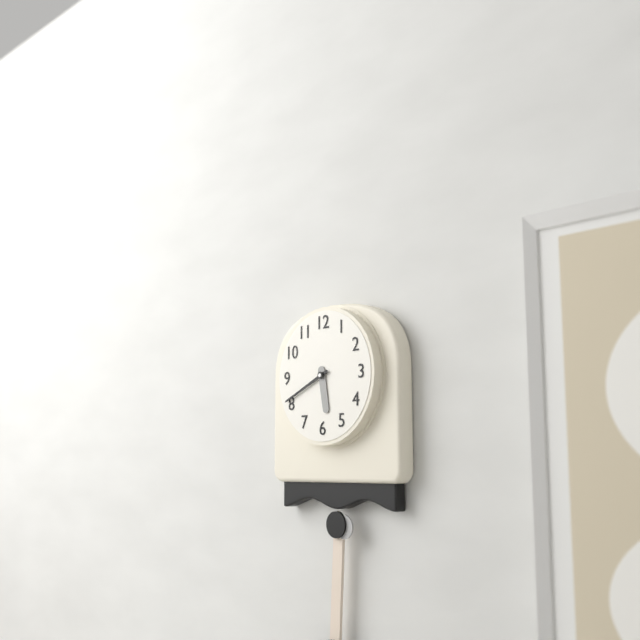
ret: {"hour": 5, "minute": 41}
